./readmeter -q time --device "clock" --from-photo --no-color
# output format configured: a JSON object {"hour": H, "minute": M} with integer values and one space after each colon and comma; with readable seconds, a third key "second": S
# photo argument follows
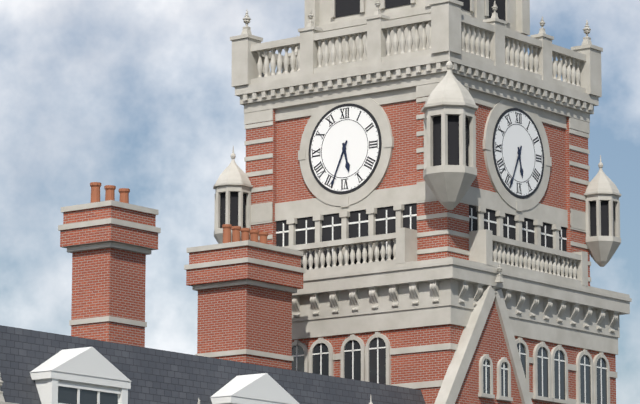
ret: {"hour": 5, "minute": 34}
